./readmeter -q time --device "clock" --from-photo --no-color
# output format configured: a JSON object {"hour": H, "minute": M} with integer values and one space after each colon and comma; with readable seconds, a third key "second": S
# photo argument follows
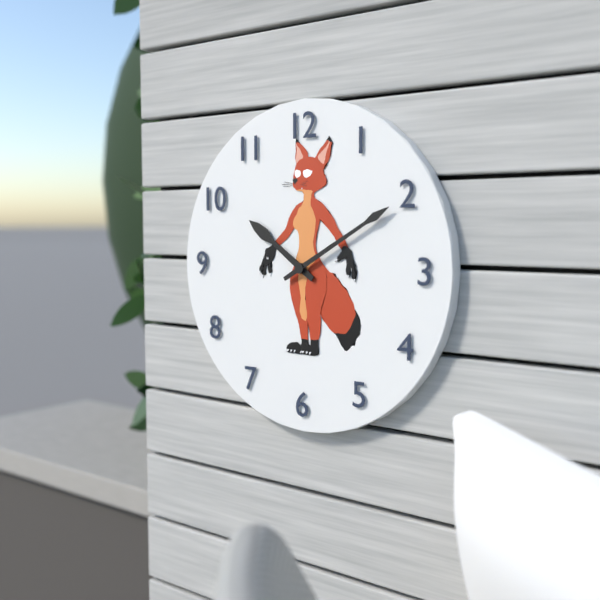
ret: {"hour": 10, "minute": 10}
